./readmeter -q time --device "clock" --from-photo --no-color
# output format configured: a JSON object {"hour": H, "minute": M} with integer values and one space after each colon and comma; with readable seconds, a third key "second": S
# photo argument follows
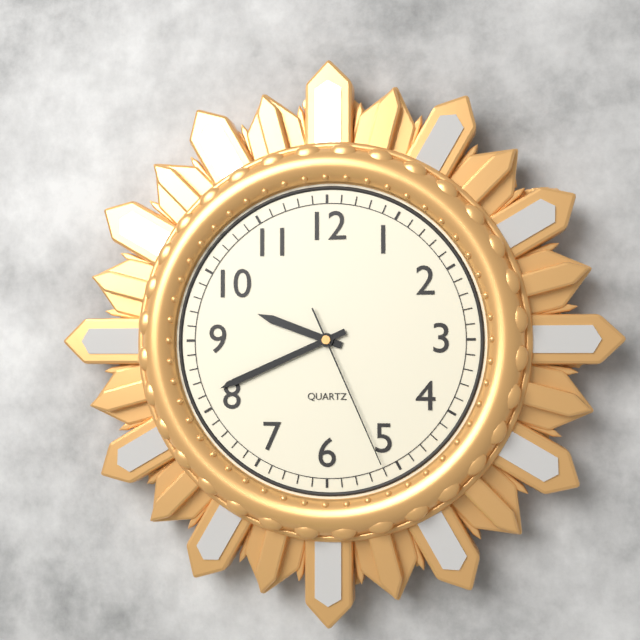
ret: {"hour": 9, "minute": 41, "second": 26}
